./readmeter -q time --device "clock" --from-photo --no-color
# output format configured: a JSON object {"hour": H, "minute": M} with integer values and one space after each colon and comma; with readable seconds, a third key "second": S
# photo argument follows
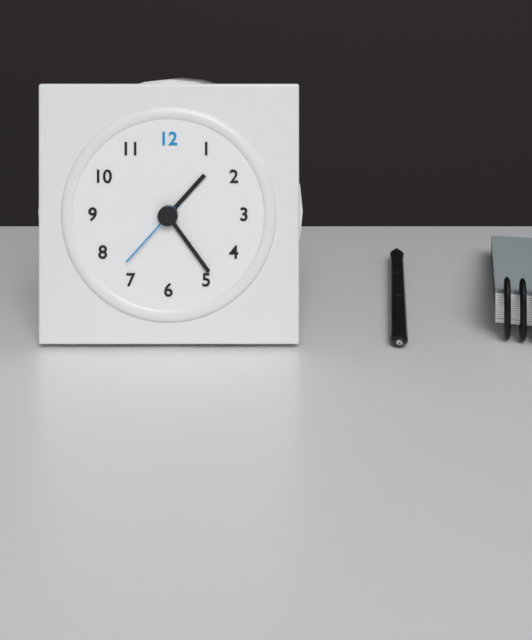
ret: {"hour": 1, "minute": 24, "second": 37}
